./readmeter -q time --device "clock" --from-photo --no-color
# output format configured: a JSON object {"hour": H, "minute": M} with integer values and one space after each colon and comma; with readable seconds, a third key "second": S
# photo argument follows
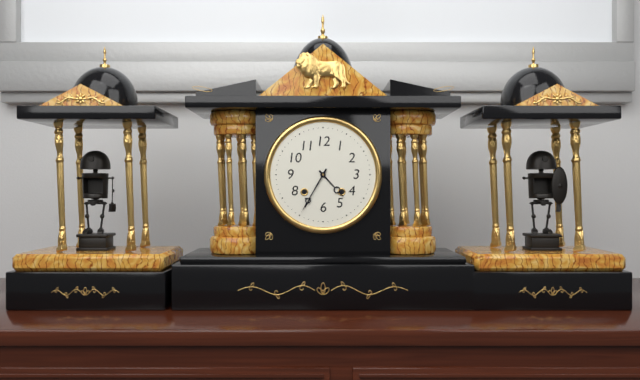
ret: {"hour": 4, "minute": 35}
